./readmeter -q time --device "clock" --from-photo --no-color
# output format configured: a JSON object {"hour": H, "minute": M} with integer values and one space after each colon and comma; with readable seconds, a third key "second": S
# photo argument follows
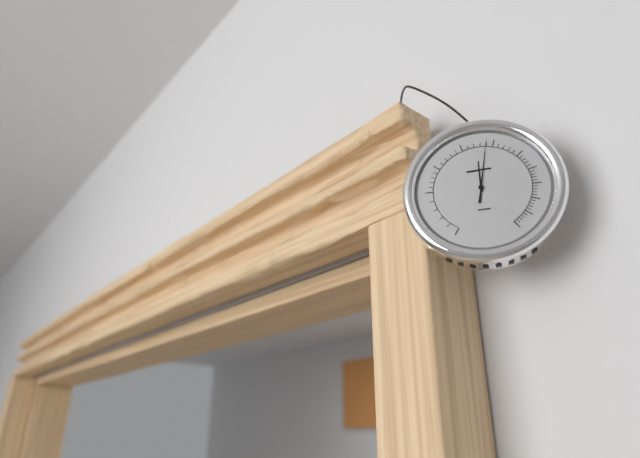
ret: {"hour": 12, "minute": 2}
